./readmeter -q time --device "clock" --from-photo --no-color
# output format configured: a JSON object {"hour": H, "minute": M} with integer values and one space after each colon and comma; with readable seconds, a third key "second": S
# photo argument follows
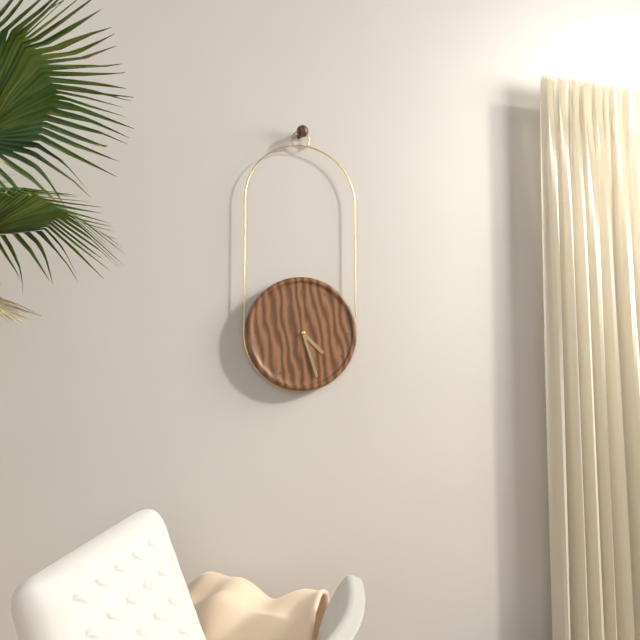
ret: {"hour": 4, "minute": 27}
